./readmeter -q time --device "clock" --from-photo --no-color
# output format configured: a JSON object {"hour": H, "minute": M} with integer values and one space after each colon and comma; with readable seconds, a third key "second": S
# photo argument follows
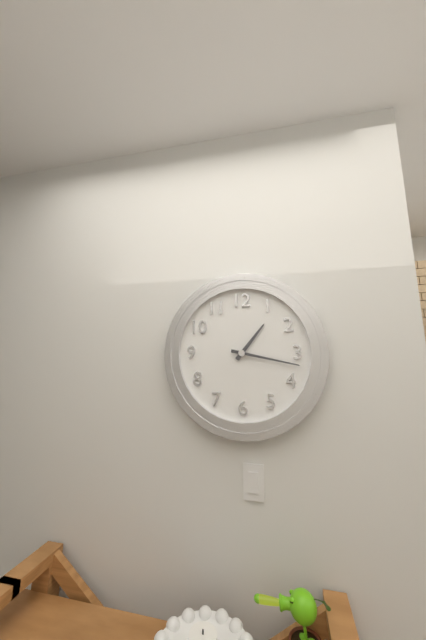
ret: {"hour": 1, "minute": 17}
